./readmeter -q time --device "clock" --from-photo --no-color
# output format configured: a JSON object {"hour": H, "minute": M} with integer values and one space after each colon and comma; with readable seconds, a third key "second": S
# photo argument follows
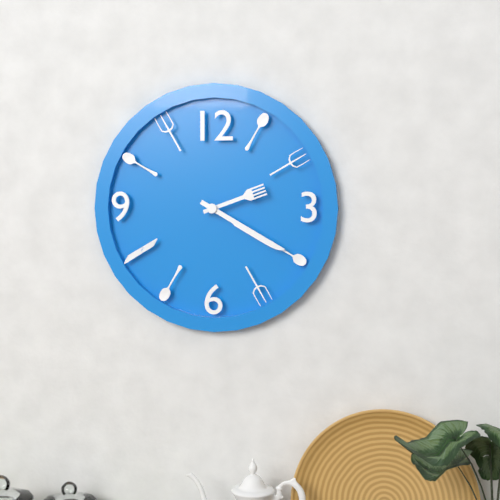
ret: {"hour": 2, "minute": 20}
